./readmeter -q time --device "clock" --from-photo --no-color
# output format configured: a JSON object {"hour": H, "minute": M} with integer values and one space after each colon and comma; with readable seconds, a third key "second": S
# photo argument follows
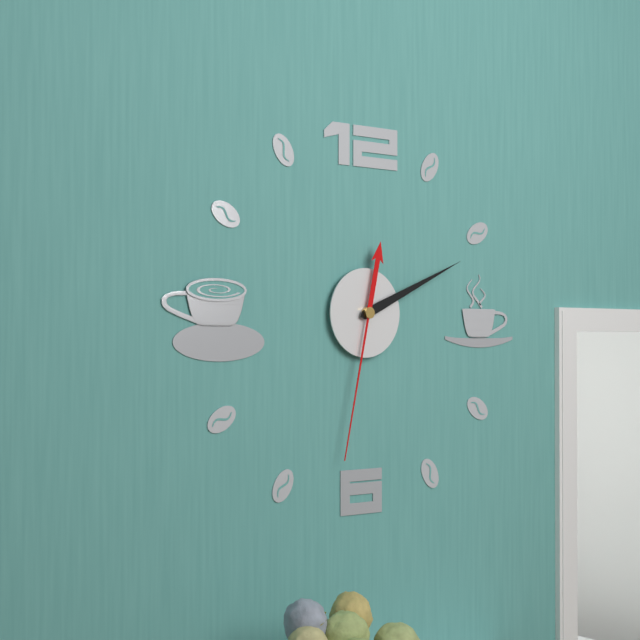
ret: {"hour": 2, "minute": 11, "second": 32}
